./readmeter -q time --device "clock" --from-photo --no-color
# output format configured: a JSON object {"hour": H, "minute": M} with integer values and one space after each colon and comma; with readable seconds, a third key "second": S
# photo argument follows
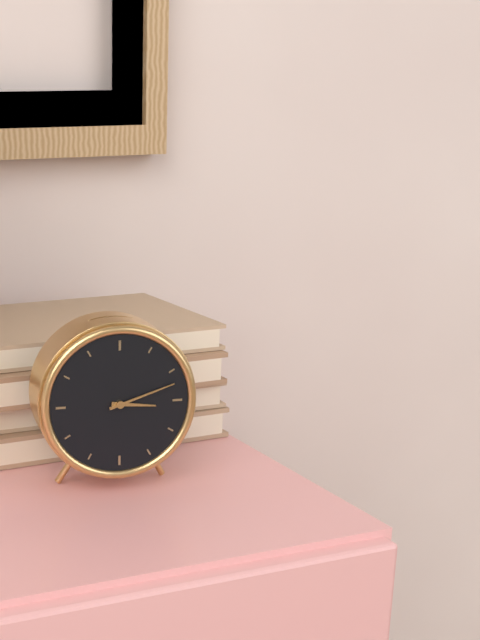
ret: {"hour": 3, "minute": 12}
